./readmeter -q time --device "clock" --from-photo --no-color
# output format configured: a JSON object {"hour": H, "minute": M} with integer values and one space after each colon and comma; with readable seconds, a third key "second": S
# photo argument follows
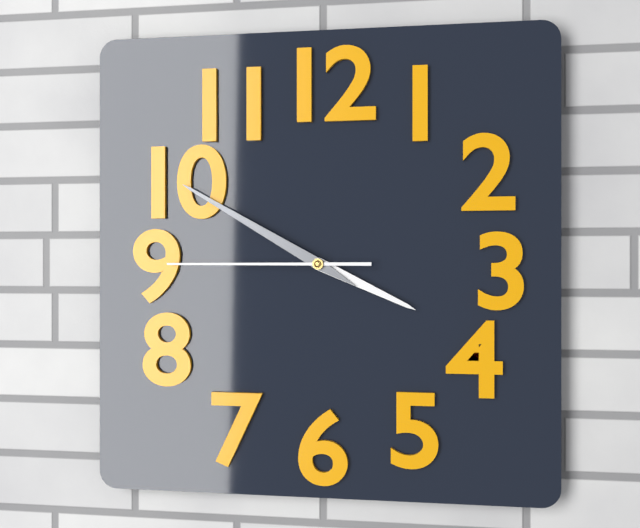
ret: {"hour": 3, "minute": 50, "second": 45}
